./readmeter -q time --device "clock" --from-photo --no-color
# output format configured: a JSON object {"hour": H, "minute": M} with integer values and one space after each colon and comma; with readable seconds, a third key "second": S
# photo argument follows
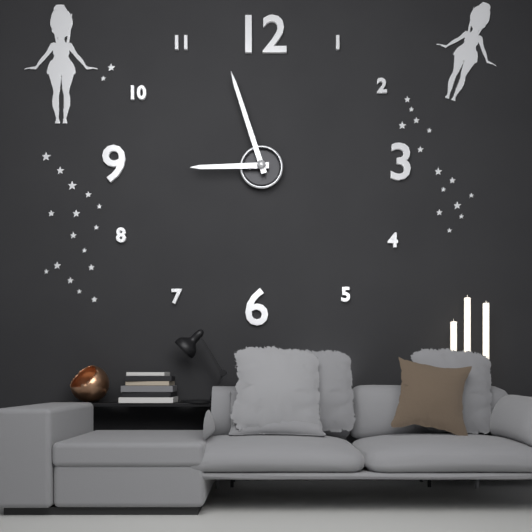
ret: {"hour": 8, "minute": 57}
